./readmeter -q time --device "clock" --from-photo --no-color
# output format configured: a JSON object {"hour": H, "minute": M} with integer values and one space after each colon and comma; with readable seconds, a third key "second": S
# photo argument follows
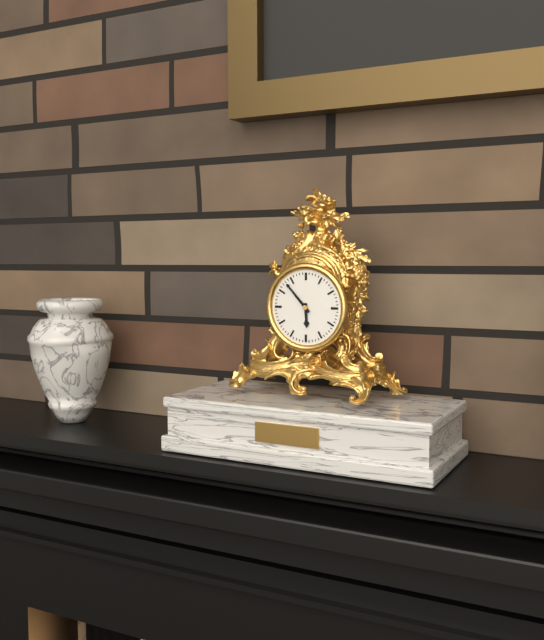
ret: {"hour": 5, "minute": 53}
